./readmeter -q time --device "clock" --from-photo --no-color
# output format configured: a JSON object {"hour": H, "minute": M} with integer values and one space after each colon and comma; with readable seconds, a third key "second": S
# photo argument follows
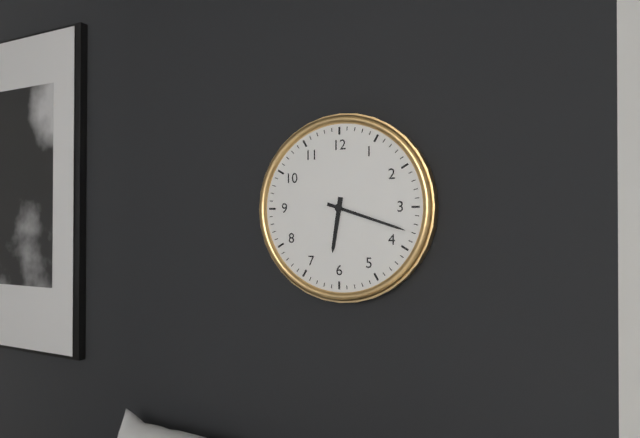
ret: {"hour": 6, "minute": 18}
